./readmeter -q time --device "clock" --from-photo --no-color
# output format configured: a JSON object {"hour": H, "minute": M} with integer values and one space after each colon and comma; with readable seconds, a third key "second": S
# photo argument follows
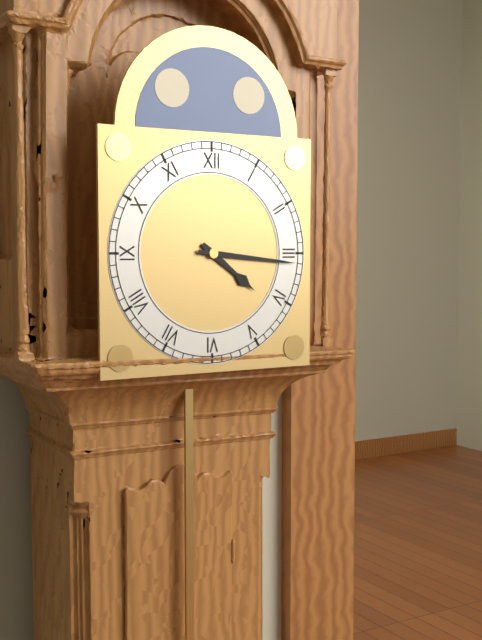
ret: {"hour": 4, "minute": 16}
